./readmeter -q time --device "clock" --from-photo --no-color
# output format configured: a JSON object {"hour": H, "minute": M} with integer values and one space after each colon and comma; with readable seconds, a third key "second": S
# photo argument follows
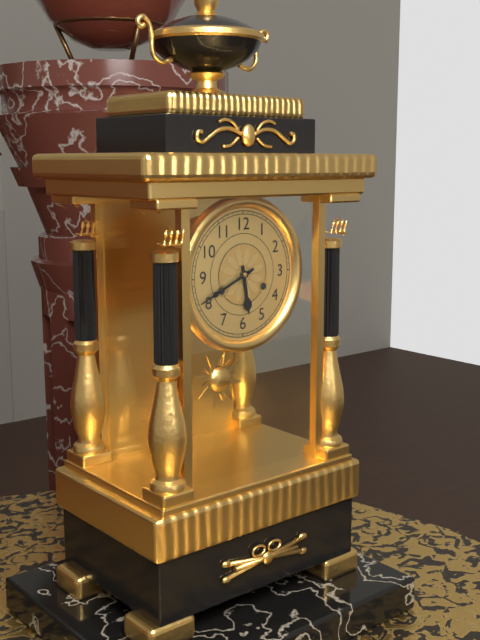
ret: {"hour": 5, "minute": 41}
